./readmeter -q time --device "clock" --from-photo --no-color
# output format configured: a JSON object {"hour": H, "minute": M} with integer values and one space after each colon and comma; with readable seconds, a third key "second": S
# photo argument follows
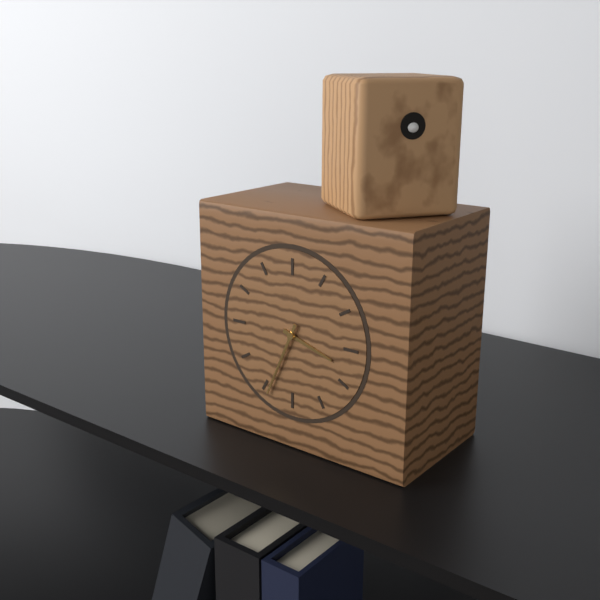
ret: {"hour": 3, "minute": 34}
